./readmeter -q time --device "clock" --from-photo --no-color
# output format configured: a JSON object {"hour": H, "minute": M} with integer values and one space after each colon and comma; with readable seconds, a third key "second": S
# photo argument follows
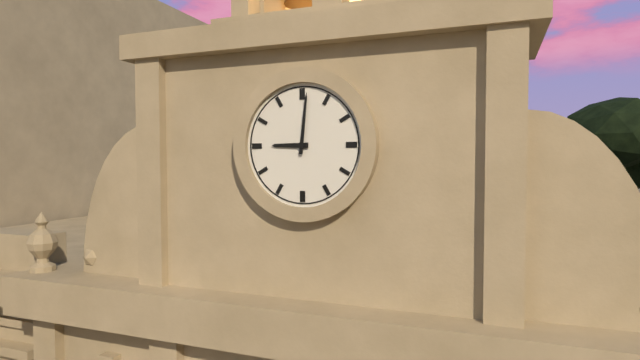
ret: {"hour": 9, "minute": 1}
